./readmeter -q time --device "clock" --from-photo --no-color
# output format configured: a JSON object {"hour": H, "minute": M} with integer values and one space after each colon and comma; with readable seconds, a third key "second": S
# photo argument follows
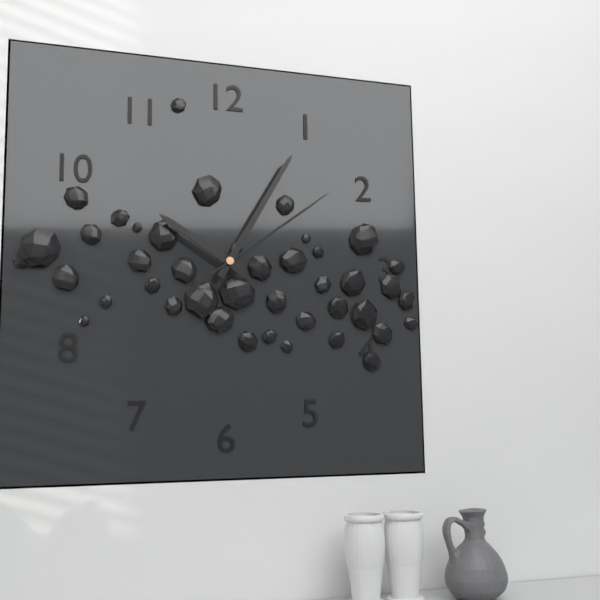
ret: {"hour": 10, "minute": 5, "second": 9}
